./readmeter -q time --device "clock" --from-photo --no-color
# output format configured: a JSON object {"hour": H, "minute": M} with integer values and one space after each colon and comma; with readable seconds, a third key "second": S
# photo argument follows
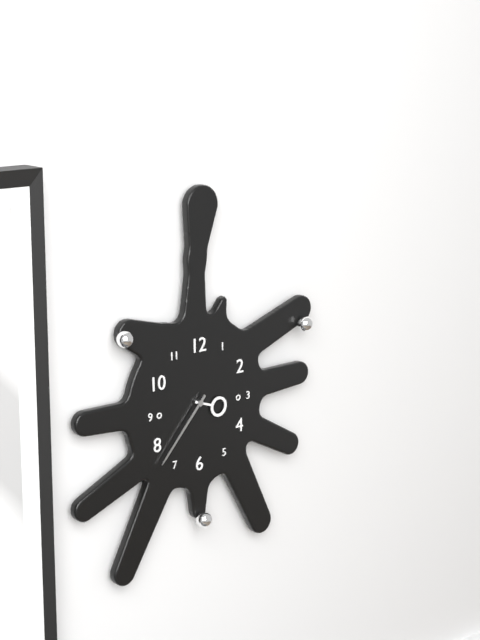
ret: {"hour": 3, "minute": 37}
